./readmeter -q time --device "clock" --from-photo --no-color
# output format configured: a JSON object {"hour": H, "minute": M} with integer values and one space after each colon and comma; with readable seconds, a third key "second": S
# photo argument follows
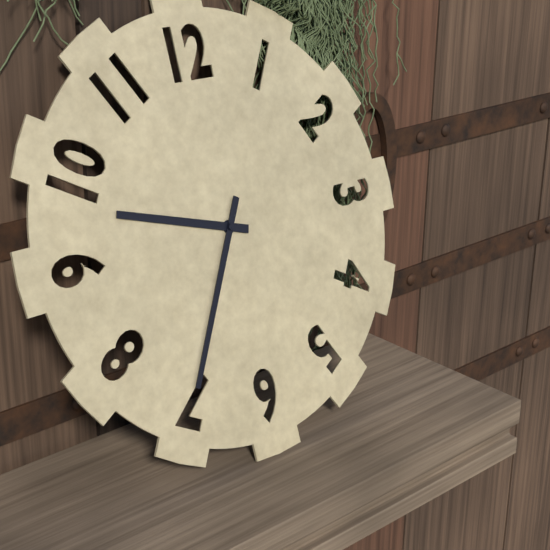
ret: {"hour": 9, "minute": 35}
